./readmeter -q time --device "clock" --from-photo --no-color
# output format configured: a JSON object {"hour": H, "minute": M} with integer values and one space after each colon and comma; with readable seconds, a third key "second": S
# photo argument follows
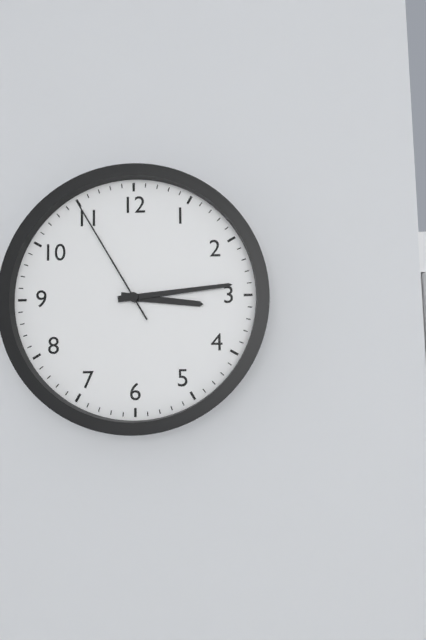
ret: {"hour": 3, "minute": 14, "second": 55}
